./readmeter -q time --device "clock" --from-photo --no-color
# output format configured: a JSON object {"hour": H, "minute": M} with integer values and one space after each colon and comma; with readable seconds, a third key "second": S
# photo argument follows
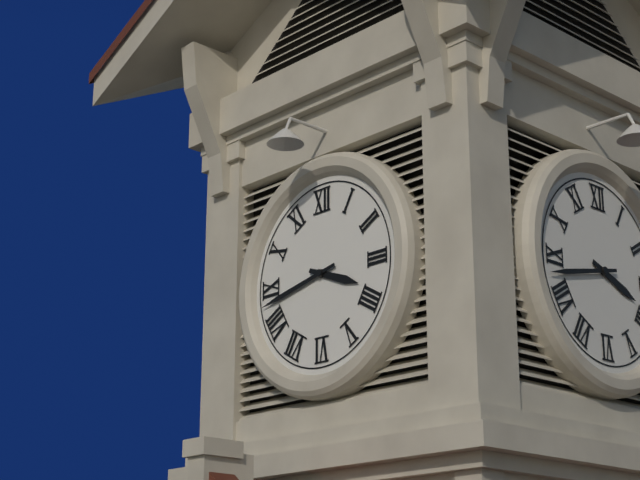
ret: {"hour": 3, "minute": 43}
